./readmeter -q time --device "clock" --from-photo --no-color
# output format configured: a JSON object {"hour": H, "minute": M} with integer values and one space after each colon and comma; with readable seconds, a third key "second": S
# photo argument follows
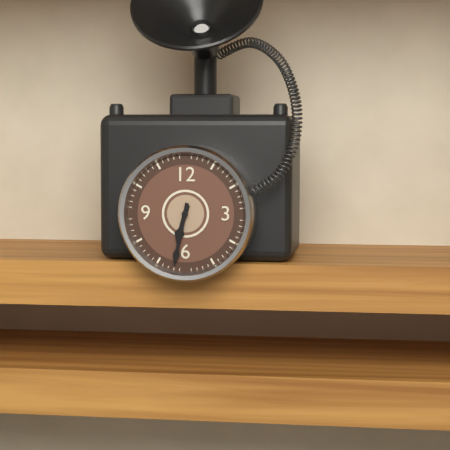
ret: {"hour": 6, "minute": 32}
